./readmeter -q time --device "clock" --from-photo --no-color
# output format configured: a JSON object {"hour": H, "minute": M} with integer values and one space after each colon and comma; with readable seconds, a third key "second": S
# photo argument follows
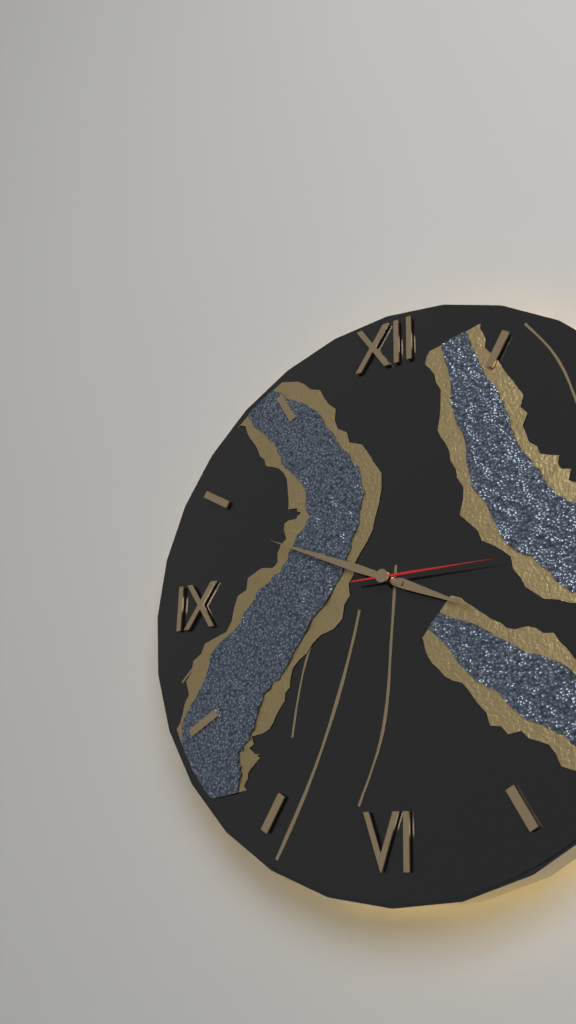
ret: {"hour": 3, "minute": 49, "second": 15}
